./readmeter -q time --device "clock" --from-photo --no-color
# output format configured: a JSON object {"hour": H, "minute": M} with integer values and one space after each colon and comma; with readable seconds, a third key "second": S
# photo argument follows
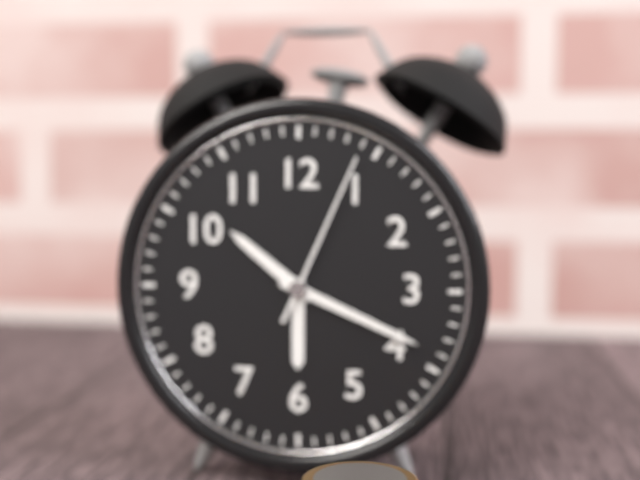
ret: {"hour": 10, "minute": 19, "second": 4}
